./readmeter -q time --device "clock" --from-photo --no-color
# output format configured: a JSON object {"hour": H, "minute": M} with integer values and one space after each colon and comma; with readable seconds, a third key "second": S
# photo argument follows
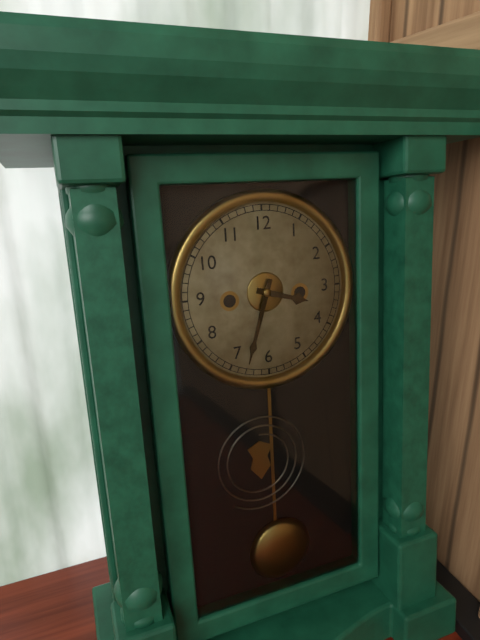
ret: {"hour": 3, "minute": 33}
